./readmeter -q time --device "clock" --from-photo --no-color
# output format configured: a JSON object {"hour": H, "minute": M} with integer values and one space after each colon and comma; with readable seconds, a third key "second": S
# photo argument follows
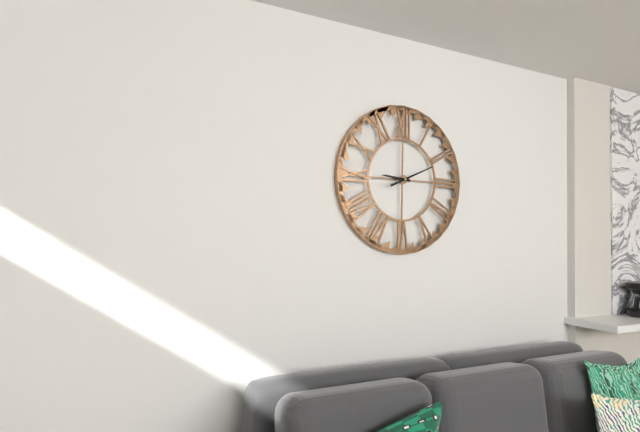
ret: {"hour": 9, "minute": 11}
